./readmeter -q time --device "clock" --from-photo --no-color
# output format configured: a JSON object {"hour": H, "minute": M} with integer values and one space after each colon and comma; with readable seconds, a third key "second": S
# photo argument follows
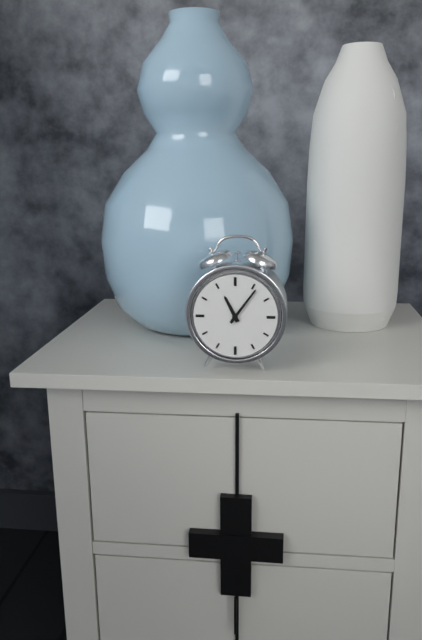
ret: {"hour": 11, "minute": 6}
